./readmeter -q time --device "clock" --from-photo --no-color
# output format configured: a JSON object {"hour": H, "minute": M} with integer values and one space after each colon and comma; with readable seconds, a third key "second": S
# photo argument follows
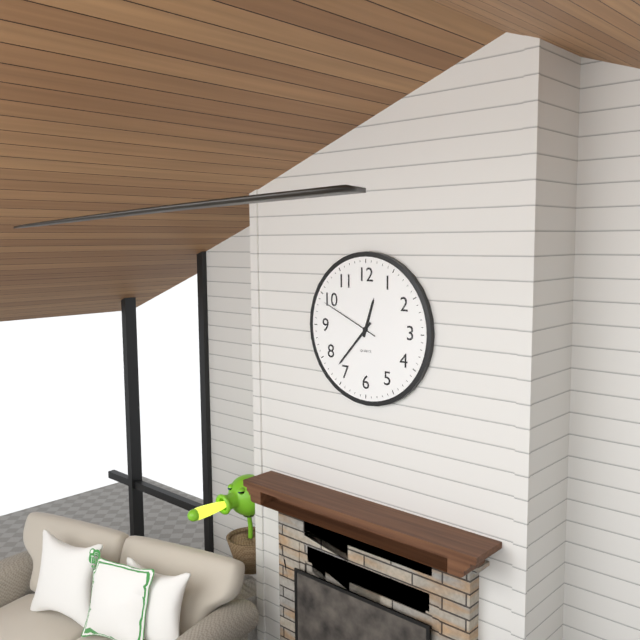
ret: {"hour": 12, "minute": 37, "second": 49}
